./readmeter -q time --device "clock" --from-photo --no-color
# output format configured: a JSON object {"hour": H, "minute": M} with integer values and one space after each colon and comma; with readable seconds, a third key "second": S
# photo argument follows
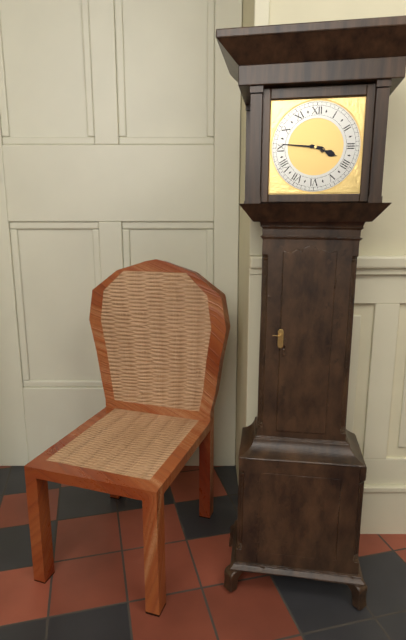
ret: {"hour": 3, "minute": 46}
